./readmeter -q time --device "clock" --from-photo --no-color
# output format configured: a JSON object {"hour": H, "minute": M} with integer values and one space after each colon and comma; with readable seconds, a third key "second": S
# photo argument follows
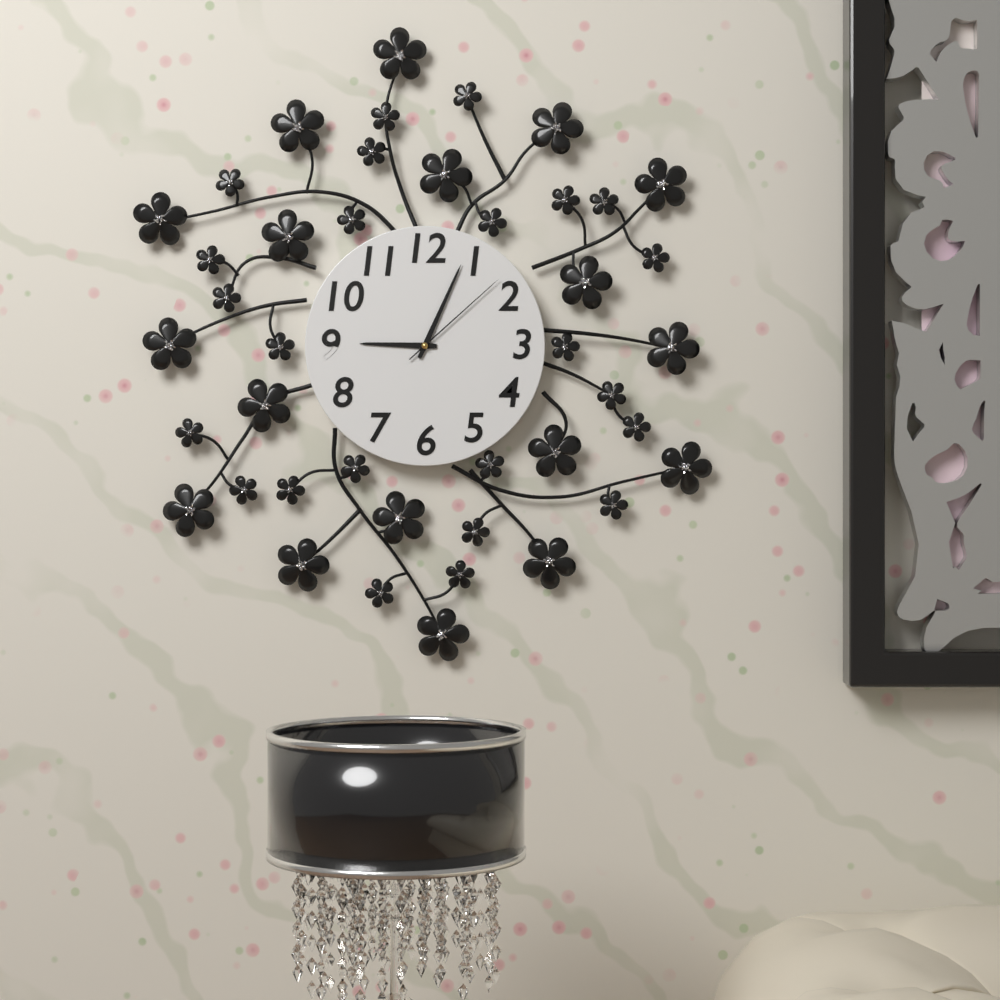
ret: {"hour": 9, "minute": 4, "second": 8}
